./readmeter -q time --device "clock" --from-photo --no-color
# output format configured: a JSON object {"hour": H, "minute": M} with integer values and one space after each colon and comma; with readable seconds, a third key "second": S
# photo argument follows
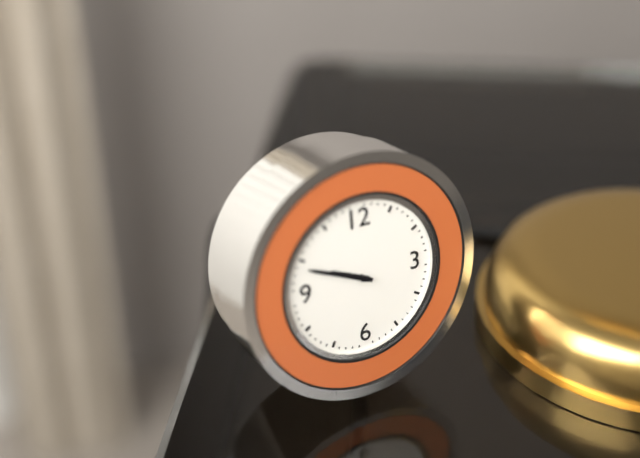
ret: {"hour": 9, "minute": 49}
